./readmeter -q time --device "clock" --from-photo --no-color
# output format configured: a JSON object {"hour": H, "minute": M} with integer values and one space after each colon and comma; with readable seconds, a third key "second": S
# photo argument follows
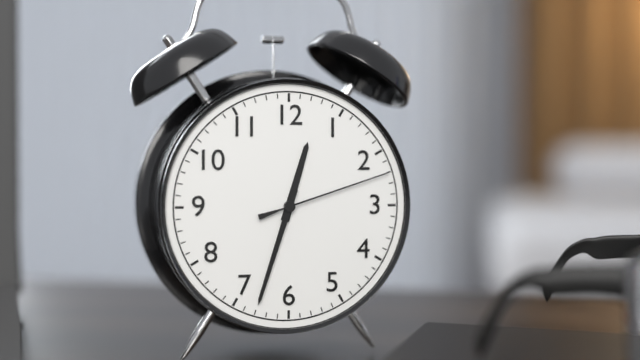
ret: {"hour": 12, "minute": 33, "second": 12}
